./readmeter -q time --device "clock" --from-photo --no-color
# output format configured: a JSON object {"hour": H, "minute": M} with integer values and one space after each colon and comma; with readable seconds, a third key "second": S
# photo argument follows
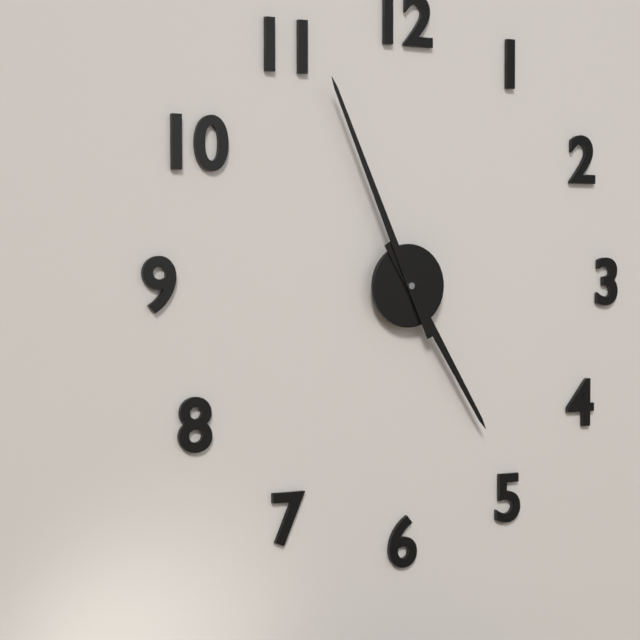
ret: {"hour": 4, "minute": 56}
